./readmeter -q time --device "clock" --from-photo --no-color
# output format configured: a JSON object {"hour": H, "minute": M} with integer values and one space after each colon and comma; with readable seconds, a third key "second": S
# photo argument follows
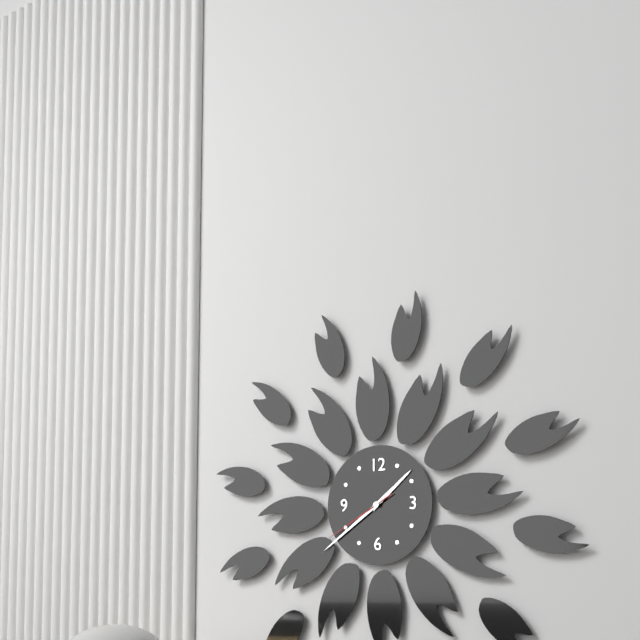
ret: {"hour": 1, "minute": 39, "second": 40}
